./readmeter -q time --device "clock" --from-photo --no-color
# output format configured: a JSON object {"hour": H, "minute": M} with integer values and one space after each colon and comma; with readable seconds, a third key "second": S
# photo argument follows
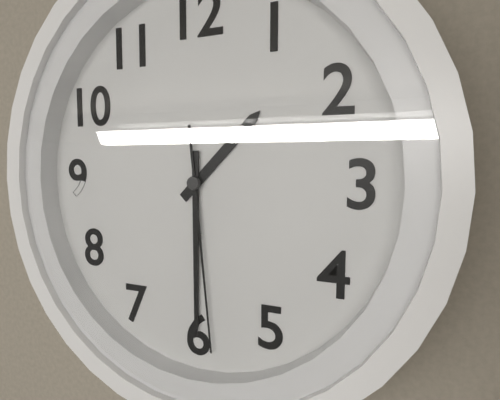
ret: {"hour": 1, "minute": 30, "second": 29}
